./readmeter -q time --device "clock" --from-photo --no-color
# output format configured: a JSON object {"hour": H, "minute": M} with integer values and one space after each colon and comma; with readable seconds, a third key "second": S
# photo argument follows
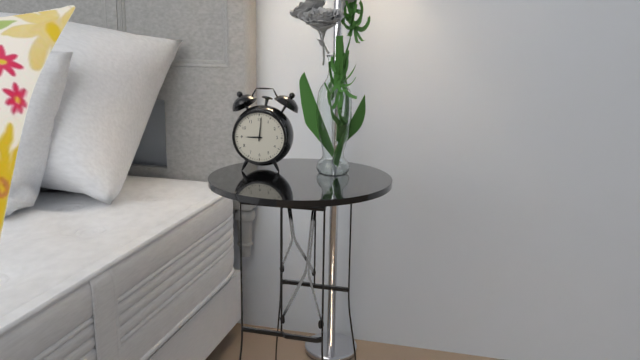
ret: {"hour": 9, "minute": 1}
